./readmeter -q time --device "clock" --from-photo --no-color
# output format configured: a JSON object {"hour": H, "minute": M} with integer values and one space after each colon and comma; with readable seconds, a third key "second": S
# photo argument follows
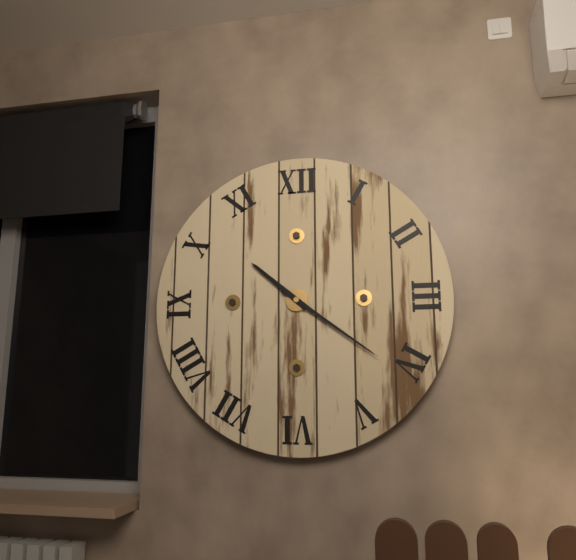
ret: {"hour": 10, "minute": 21}
